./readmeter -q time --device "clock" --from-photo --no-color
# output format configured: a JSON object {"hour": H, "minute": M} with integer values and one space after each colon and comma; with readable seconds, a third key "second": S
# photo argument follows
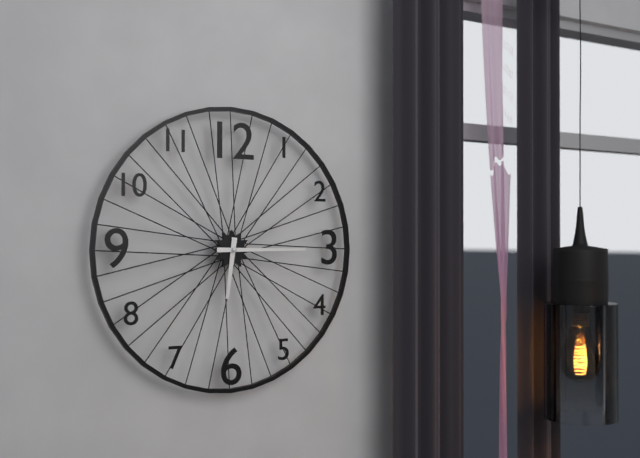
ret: {"hour": 6, "minute": 15}
